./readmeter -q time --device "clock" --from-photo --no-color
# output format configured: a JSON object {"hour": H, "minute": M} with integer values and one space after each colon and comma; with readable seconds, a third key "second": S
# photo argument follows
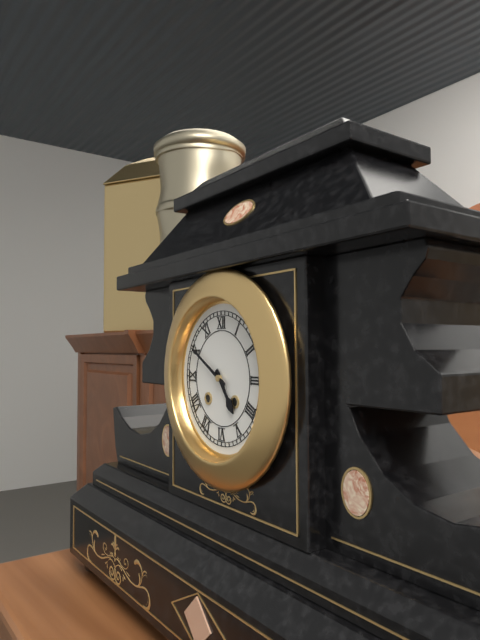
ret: {"hour": 4, "minute": 50}
